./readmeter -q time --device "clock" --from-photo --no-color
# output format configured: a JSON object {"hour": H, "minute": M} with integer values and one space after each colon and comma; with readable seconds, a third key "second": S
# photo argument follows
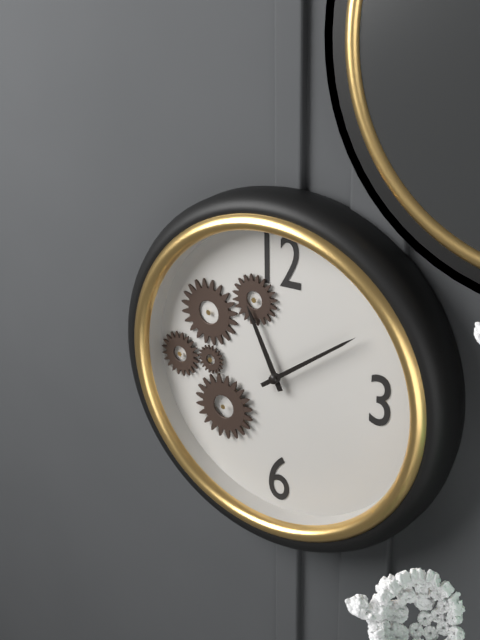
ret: {"hour": 11, "minute": 9}
